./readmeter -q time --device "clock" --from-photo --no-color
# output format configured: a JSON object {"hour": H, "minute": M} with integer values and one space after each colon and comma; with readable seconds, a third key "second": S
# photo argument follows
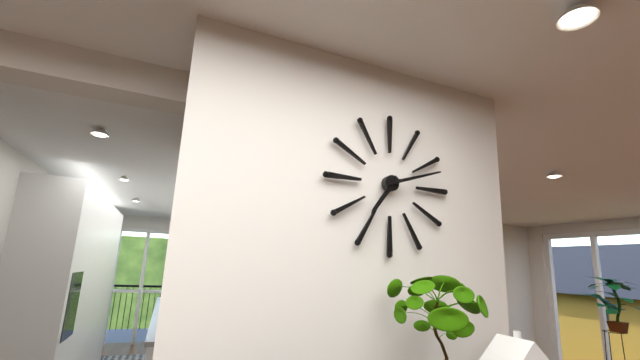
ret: {"hour": 7, "minute": 12}
